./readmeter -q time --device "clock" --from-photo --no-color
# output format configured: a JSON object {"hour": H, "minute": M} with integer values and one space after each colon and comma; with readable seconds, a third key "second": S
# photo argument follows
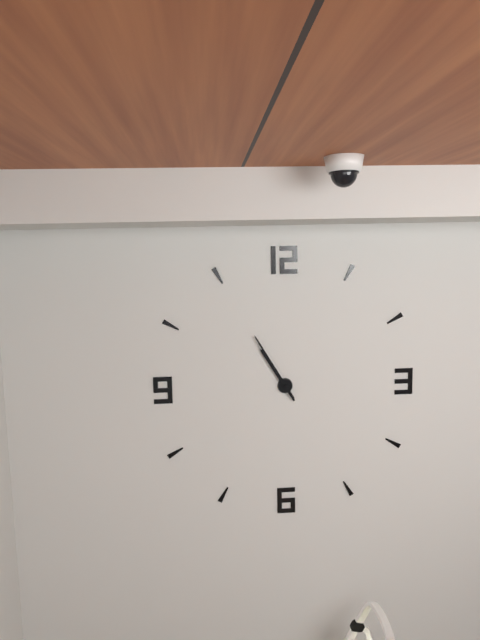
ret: {"hour": 10, "minute": 55}
